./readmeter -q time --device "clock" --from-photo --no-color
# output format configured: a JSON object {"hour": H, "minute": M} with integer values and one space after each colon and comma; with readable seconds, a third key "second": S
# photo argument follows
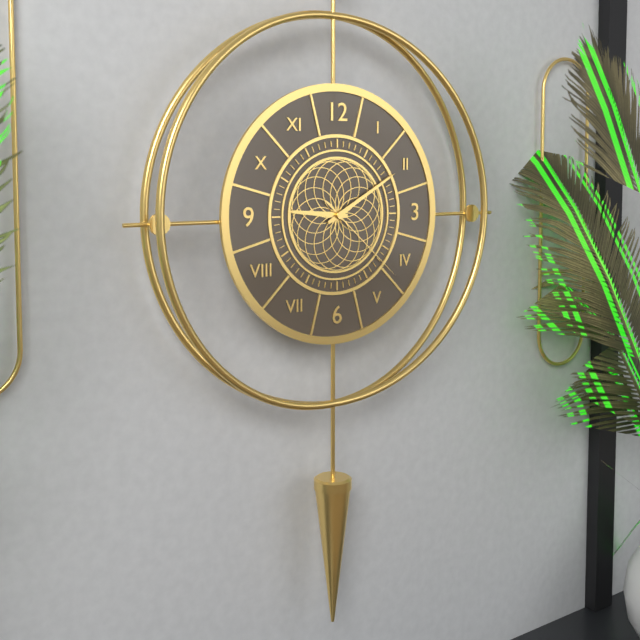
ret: {"hour": 9, "minute": 10, "second": 22}
